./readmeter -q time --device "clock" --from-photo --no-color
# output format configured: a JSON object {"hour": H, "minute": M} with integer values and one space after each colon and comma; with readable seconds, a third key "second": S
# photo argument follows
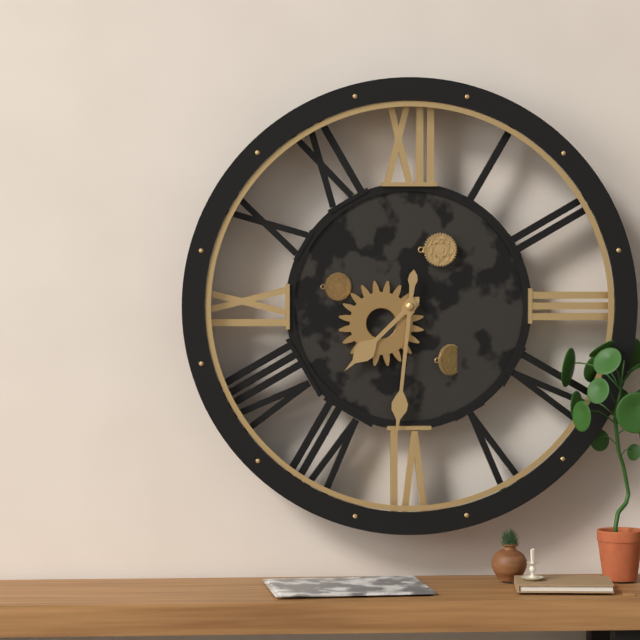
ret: {"hour": 7, "minute": 31}
